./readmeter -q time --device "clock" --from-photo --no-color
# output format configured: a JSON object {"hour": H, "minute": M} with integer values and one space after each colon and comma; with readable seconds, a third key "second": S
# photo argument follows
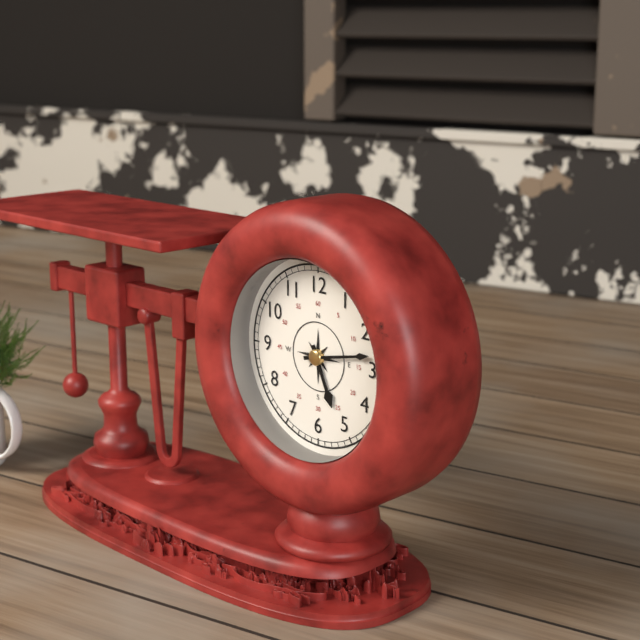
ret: {"hour": 5, "minute": 13}
